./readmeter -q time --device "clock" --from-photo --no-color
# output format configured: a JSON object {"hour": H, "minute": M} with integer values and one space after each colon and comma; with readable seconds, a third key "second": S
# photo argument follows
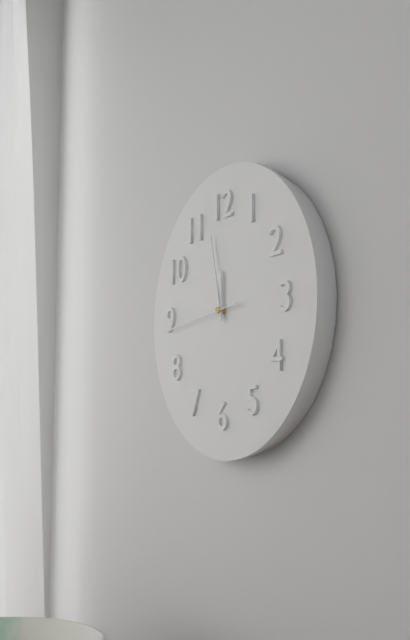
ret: {"hour": 11, "minute": 58, "second": 44}
